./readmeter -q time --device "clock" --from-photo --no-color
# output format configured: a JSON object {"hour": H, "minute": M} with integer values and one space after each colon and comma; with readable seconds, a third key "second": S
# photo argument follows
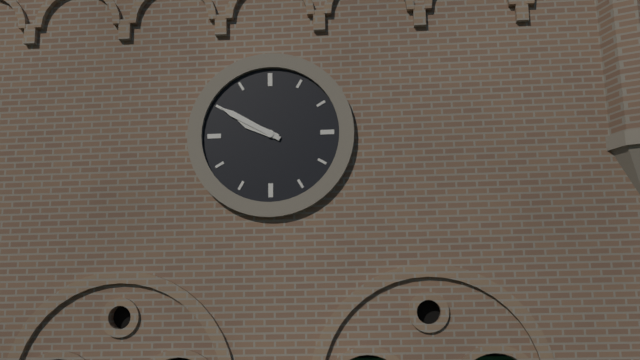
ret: {"hour": 9, "minute": 50}
